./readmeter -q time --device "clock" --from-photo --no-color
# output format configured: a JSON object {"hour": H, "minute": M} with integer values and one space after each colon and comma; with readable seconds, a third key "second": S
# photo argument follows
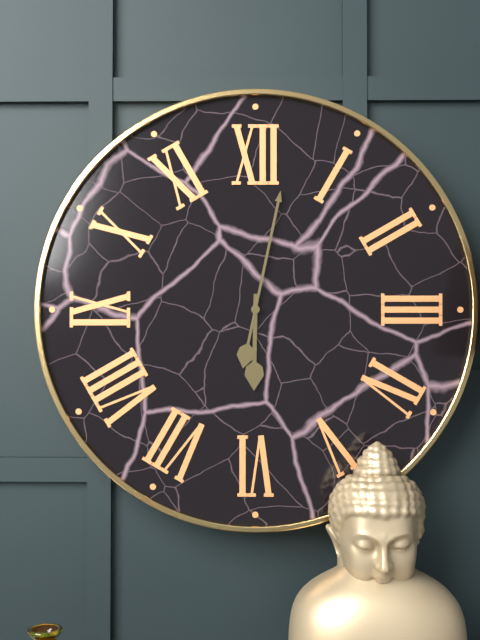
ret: {"hour": 6, "minute": 2}
